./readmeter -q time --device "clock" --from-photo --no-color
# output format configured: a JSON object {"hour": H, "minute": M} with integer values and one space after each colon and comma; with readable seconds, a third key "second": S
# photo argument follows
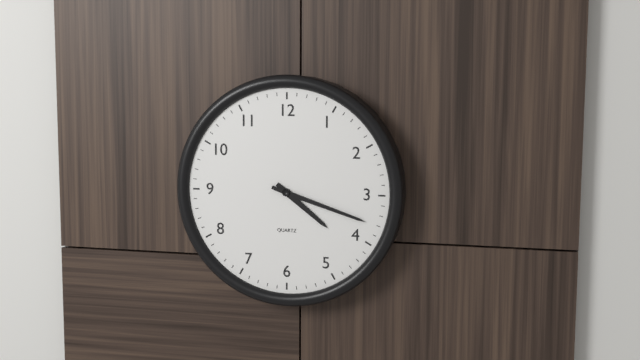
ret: {"hour": 4, "minute": 18}
